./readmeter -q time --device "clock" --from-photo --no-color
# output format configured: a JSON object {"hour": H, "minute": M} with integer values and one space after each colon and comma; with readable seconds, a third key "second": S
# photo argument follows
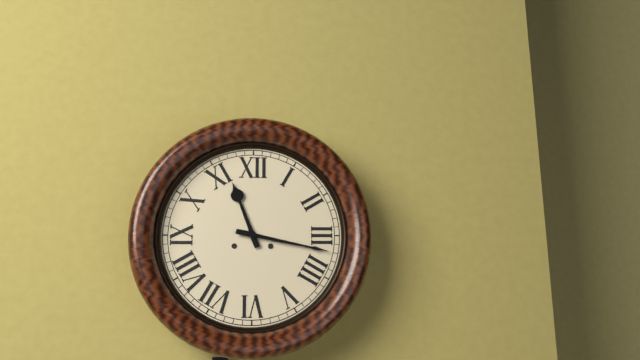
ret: {"hour": 11, "minute": 17}
